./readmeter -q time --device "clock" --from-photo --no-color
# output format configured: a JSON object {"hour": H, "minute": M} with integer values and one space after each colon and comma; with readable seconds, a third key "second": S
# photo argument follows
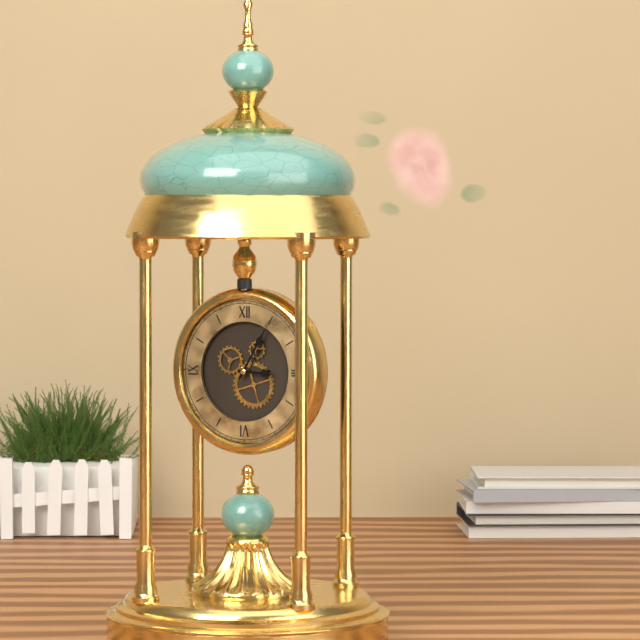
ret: {"hour": 3, "minute": 5}
